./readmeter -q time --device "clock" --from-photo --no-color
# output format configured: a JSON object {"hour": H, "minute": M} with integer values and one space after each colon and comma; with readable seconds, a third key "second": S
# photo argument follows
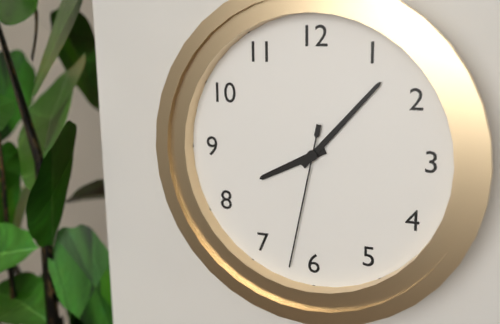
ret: {"hour": 8, "minute": 7, "second": 32}
